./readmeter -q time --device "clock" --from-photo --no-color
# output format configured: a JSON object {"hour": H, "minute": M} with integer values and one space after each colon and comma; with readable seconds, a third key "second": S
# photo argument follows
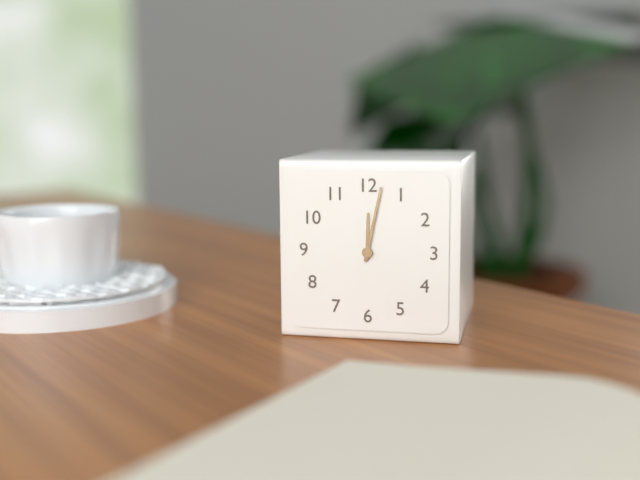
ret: {"hour": 12, "minute": 2}
